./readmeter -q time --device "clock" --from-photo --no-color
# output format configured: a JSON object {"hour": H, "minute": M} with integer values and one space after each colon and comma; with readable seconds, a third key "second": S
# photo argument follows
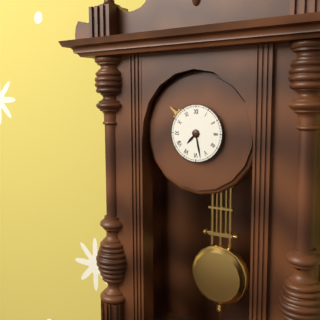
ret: {"hour": 7, "minute": 28}
